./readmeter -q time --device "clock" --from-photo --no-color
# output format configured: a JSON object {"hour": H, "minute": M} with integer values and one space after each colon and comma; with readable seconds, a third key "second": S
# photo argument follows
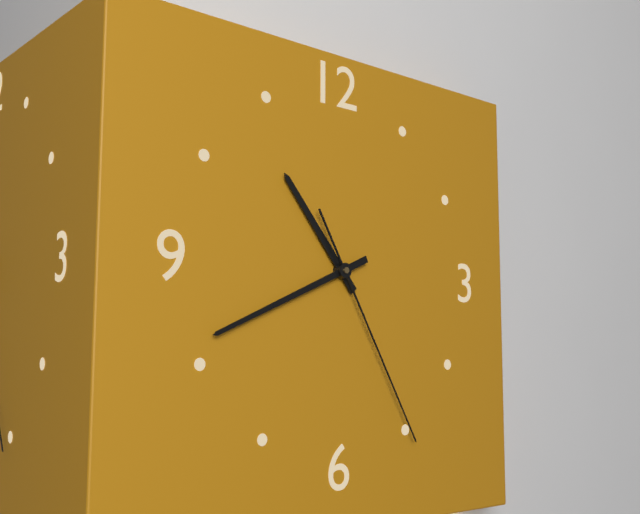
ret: {"hour": 10, "minute": 41, "second": 25}
